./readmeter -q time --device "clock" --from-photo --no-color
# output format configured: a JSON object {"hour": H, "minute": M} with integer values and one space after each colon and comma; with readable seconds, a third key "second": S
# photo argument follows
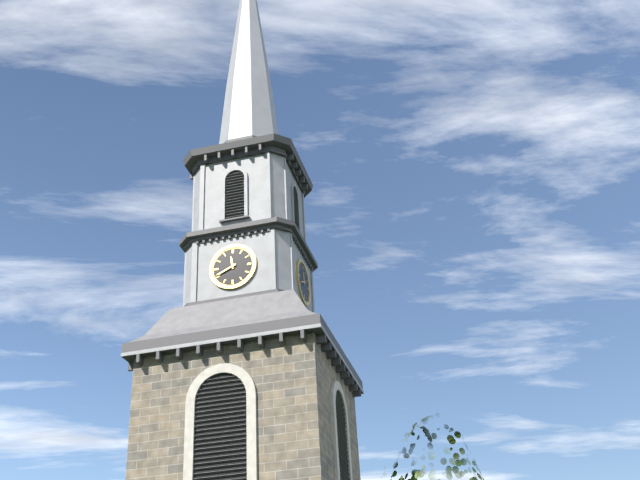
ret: {"hour": 11, "minute": 41}
